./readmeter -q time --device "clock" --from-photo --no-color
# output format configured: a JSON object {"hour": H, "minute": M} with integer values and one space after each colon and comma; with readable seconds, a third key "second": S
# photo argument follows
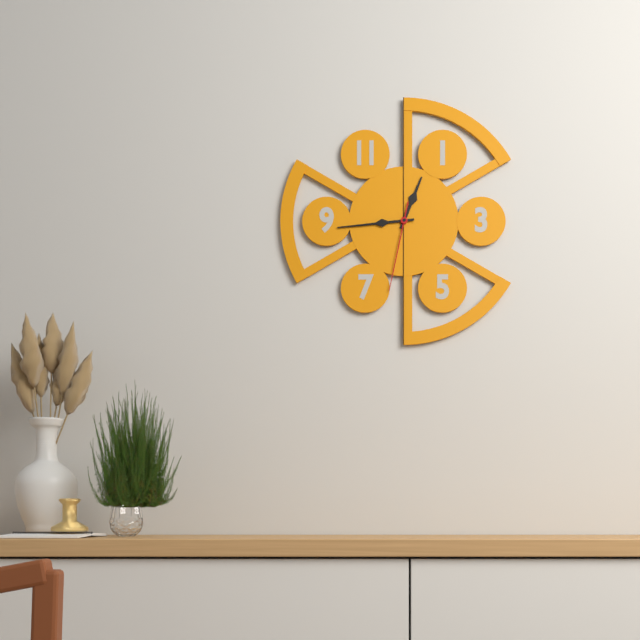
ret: {"hour": 12, "minute": 44, "second": 32}
